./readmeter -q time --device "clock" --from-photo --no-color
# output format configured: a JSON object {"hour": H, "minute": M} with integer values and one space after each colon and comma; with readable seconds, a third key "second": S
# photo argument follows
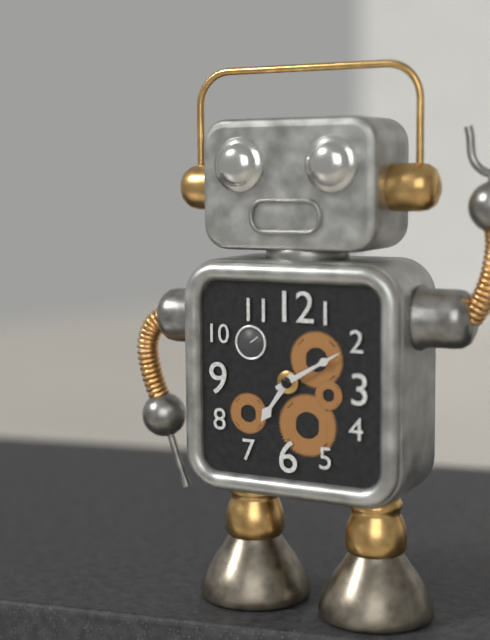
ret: {"hour": 7, "minute": 10}
